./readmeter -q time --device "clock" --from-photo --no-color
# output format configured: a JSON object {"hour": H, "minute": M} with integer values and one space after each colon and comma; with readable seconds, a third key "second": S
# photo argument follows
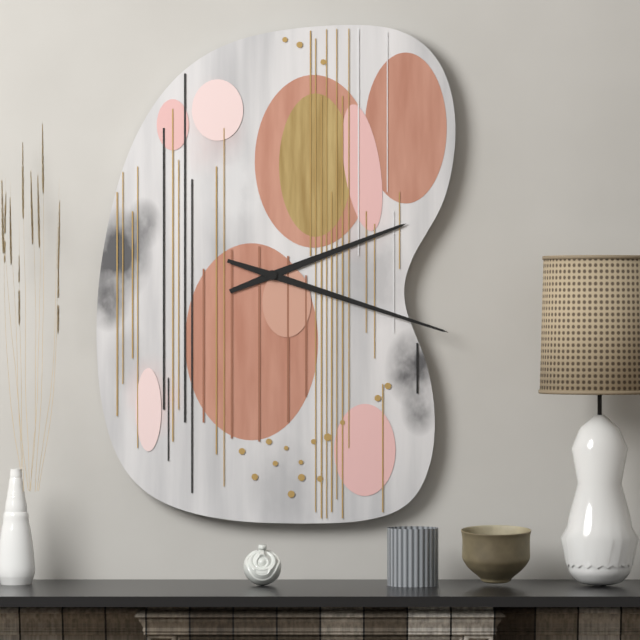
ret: {"hour": 2, "minute": 18}
